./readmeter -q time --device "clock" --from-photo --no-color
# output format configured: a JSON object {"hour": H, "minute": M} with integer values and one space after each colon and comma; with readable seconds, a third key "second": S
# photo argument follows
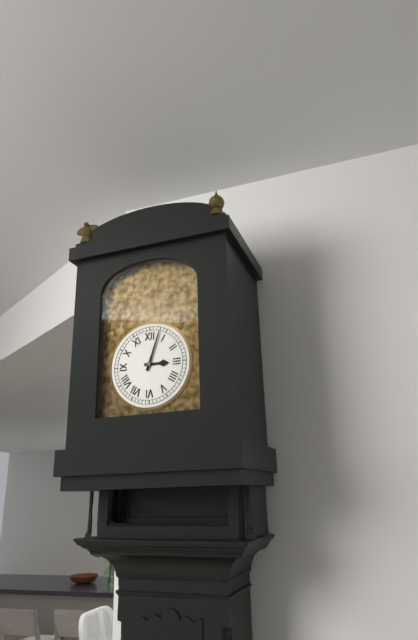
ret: {"hour": 3, "minute": 3}
